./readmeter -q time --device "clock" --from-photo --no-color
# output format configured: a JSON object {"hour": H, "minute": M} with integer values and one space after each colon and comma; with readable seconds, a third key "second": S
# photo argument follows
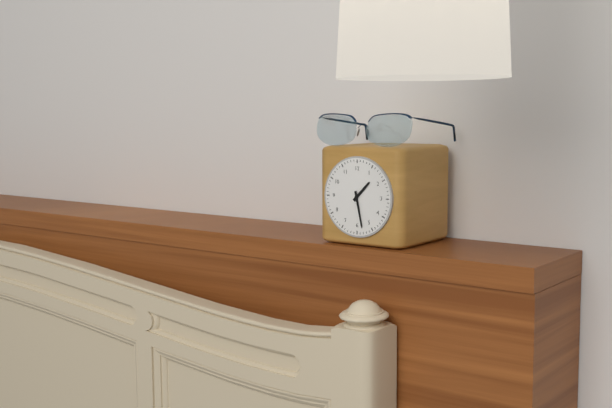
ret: {"hour": 1, "minute": 28}
